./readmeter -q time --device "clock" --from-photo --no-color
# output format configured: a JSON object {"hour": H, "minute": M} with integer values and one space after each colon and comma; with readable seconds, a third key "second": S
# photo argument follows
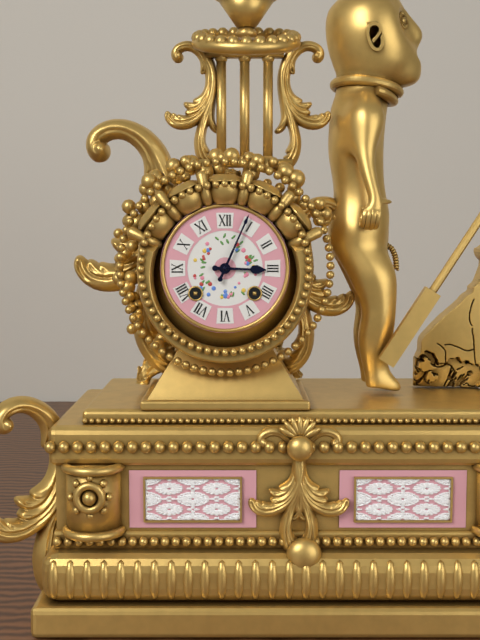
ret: {"hour": 3, "minute": 4}
